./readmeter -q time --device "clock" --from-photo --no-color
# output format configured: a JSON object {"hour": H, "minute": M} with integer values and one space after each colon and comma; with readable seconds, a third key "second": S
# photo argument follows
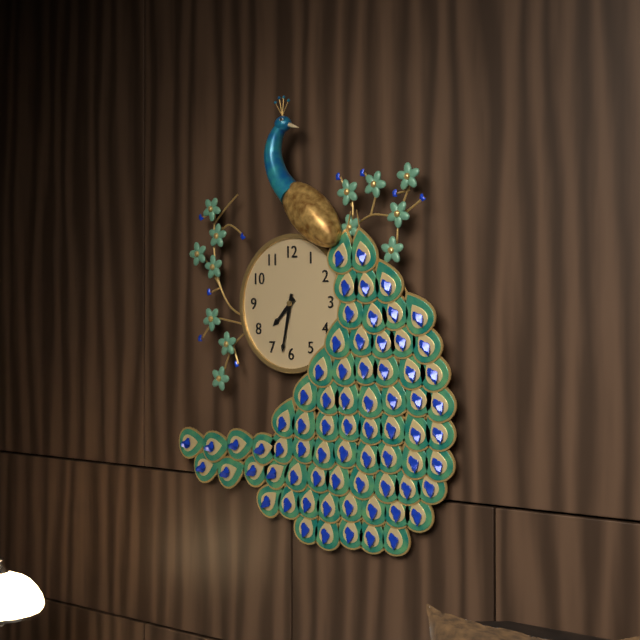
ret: {"hour": 7, "minute": 32}
